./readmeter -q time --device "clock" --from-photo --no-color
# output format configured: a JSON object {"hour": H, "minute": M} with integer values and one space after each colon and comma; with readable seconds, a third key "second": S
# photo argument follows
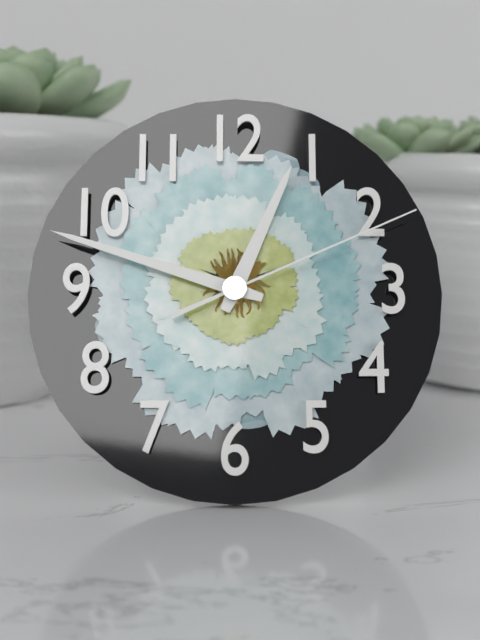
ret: {"hour": 12, "minute": 48, "second": 11}
